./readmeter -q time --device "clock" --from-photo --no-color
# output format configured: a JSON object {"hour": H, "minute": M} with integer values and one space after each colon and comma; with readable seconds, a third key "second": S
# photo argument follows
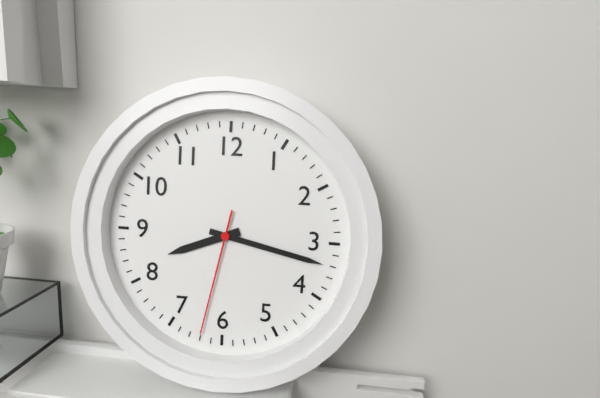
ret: {"hour": 8, "minute": 17, "second": 32}
